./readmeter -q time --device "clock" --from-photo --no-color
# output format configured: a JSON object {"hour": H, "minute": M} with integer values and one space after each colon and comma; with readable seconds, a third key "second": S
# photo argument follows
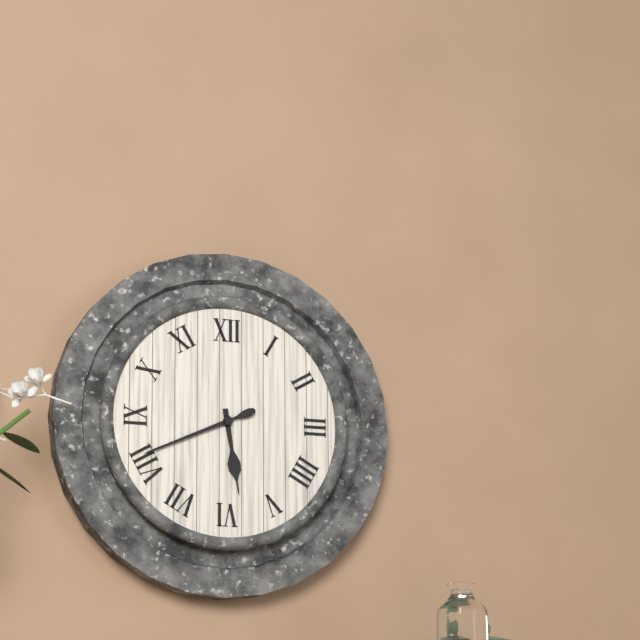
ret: {"hour": 5, "minute": 41}
